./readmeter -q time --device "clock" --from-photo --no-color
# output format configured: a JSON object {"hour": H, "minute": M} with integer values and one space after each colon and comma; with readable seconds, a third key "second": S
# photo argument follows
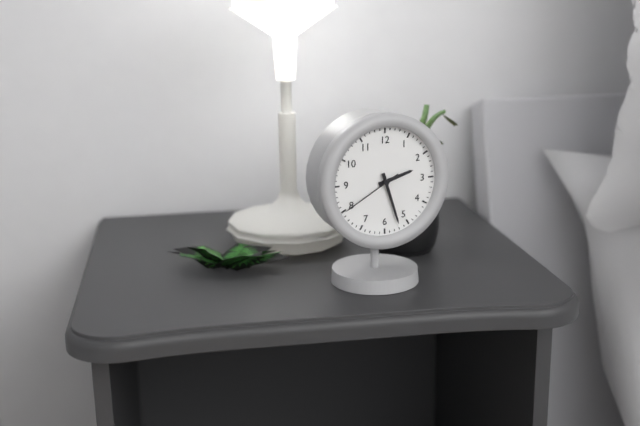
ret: {"hour": 2, "minute": 27, "second": 40}
